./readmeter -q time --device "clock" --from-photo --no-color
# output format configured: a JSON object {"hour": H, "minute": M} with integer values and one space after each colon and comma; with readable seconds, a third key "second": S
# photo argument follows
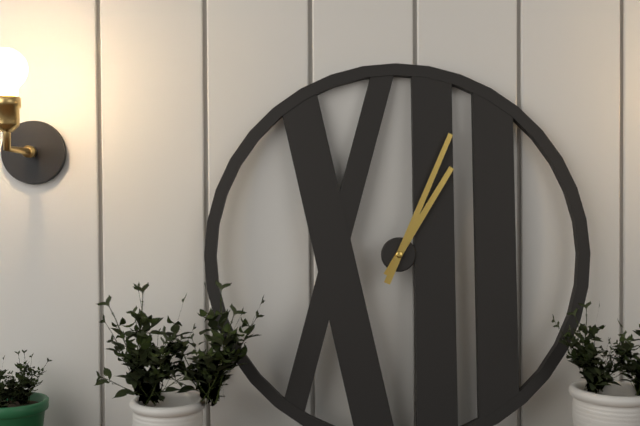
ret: {"hour": 1, "minute": 4}
